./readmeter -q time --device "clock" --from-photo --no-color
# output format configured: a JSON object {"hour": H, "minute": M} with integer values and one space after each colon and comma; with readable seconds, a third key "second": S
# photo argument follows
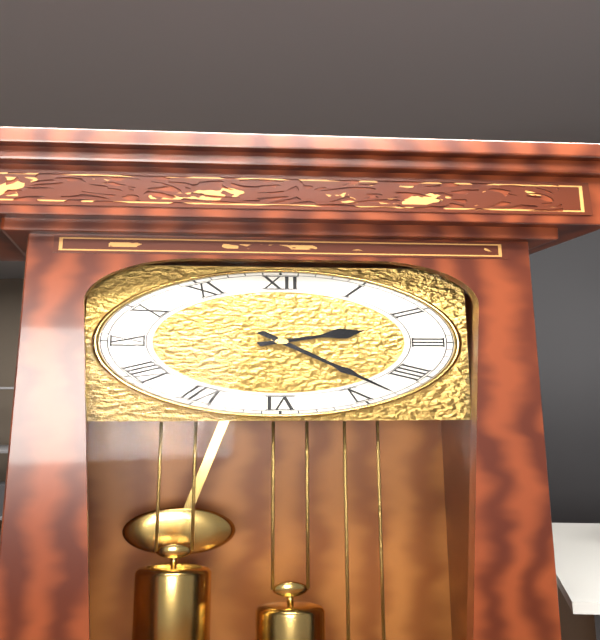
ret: {"hour": 2, "minute": 23}
